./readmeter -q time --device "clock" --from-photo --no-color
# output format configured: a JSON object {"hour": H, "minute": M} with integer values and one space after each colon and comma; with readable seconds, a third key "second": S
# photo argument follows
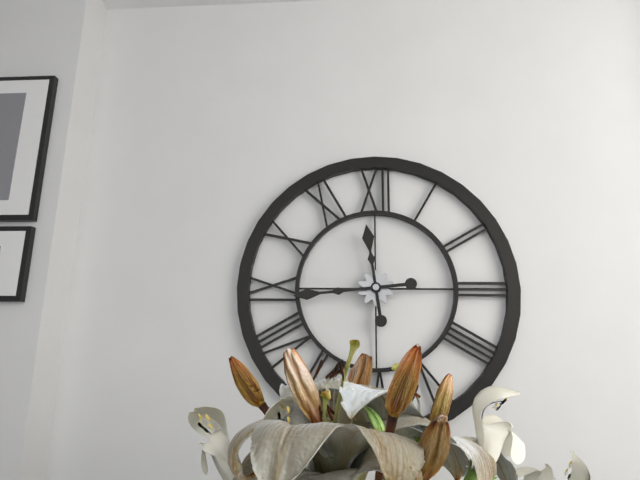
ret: {"hour": 11, "minute": 44}
